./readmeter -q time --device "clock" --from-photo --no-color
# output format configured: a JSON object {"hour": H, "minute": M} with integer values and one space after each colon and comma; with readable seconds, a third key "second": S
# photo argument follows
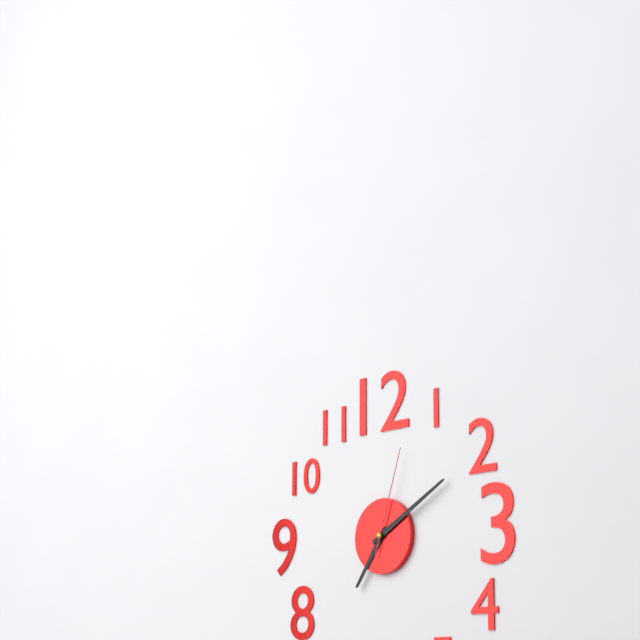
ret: {"hour": 7, "minute": 10, "second": 3}
